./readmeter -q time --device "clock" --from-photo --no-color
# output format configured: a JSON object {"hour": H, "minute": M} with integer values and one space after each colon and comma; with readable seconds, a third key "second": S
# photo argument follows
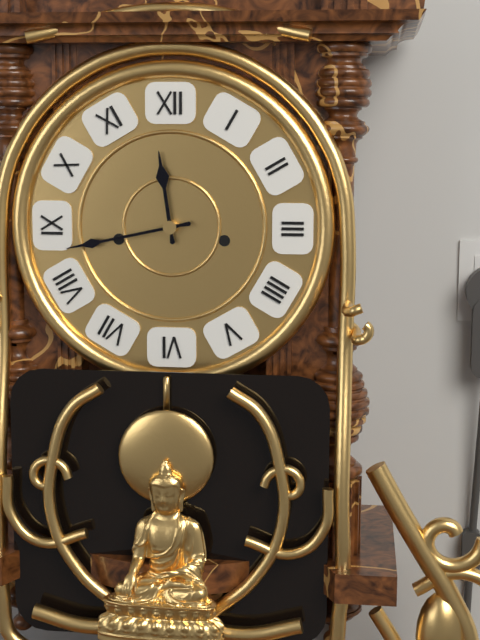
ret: {"hour": 11, "minute": 43}
